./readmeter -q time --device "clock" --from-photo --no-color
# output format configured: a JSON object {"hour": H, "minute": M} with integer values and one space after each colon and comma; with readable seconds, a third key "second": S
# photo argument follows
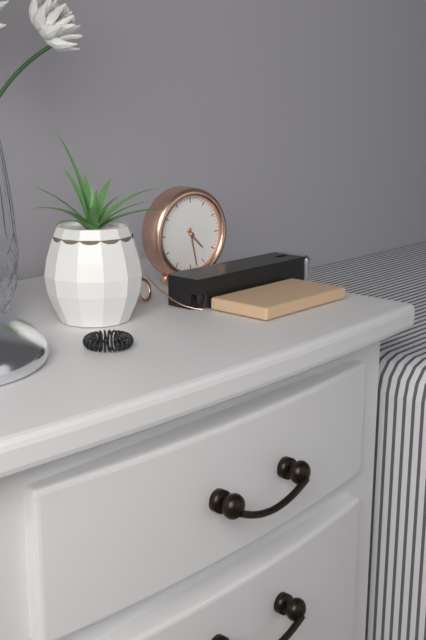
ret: {"hour": 4, "minute": 28}
